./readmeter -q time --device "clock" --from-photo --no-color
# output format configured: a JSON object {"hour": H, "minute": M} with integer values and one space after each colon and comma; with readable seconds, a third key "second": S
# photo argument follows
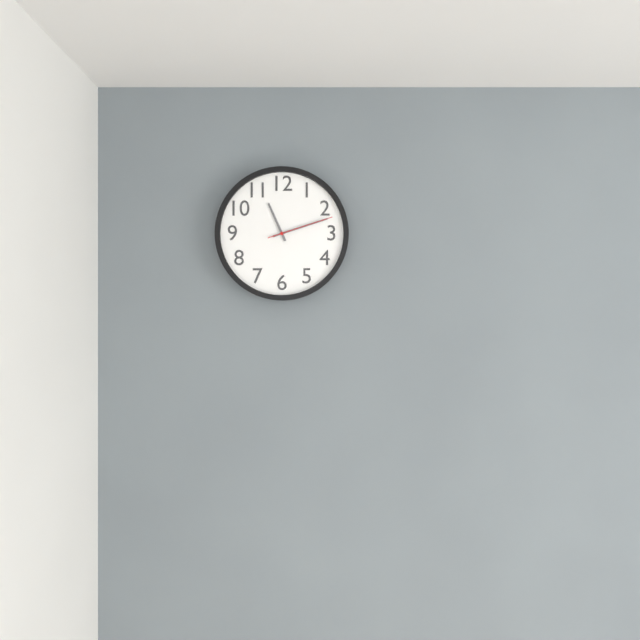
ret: {"hour": 11, "minute": 12, "second": 12}
